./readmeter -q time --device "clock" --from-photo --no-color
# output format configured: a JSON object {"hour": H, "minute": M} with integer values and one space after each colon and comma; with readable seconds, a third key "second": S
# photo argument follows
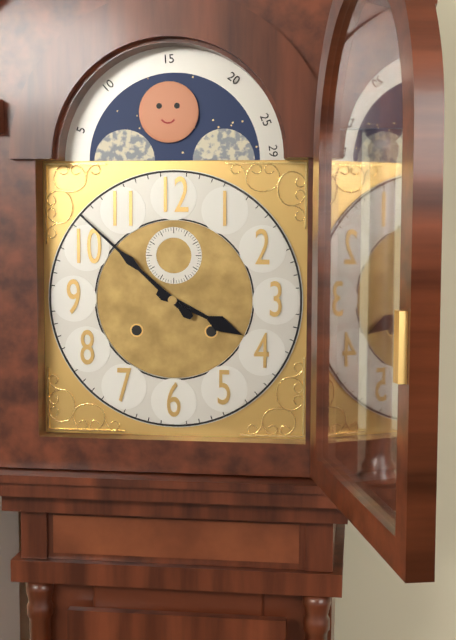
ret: {"hour": 3, "minute": 52}
